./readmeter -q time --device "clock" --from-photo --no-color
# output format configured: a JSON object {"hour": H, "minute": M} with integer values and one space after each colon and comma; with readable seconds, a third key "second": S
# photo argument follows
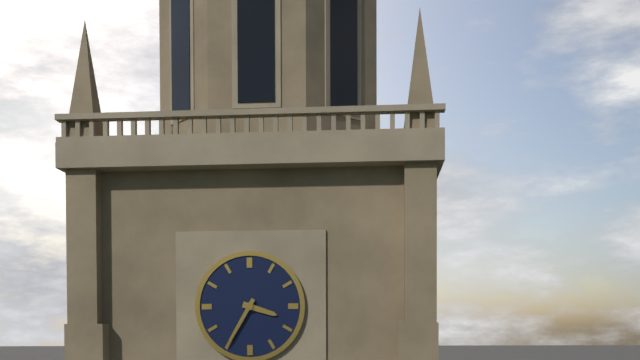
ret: {"hour": 3, "minute": 35}
